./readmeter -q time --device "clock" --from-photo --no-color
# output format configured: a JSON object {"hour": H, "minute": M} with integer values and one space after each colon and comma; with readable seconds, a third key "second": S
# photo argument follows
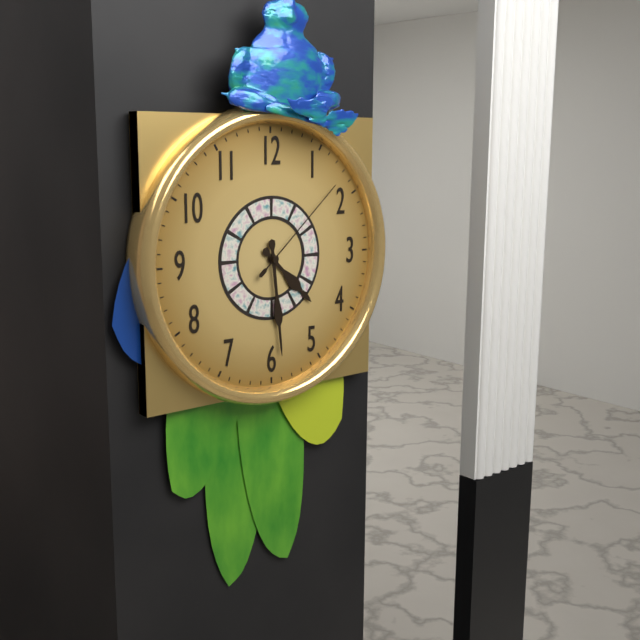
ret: {"hour": 4, "minute": 29, "second": 8}
